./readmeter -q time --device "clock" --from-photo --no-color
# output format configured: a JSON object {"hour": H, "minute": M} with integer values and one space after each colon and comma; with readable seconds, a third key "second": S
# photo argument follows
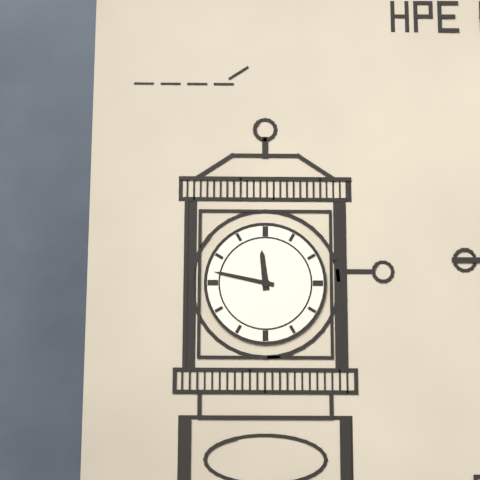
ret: {"hour": 11, "minute": 47}
